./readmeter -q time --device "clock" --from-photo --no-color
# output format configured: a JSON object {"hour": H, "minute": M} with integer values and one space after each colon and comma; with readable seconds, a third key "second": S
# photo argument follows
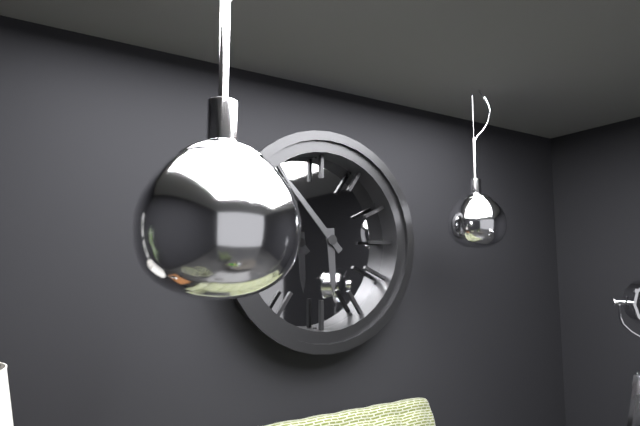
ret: {"hour": 5, "minute": 53}
